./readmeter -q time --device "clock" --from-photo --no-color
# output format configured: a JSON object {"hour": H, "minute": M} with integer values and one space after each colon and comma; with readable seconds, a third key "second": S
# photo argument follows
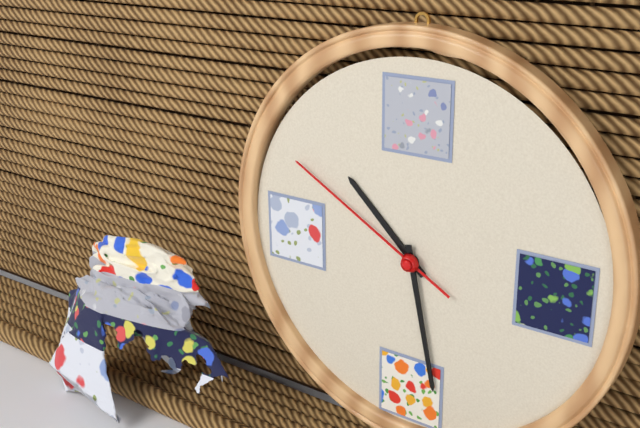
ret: {"hour": 10, "minute": 28, "second": 50}
